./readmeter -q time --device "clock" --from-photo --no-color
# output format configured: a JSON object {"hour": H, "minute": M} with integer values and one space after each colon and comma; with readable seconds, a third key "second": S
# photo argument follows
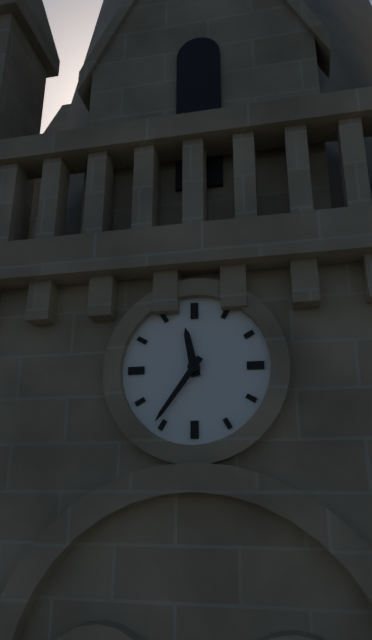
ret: {"hour": 11, "minute": 36}
